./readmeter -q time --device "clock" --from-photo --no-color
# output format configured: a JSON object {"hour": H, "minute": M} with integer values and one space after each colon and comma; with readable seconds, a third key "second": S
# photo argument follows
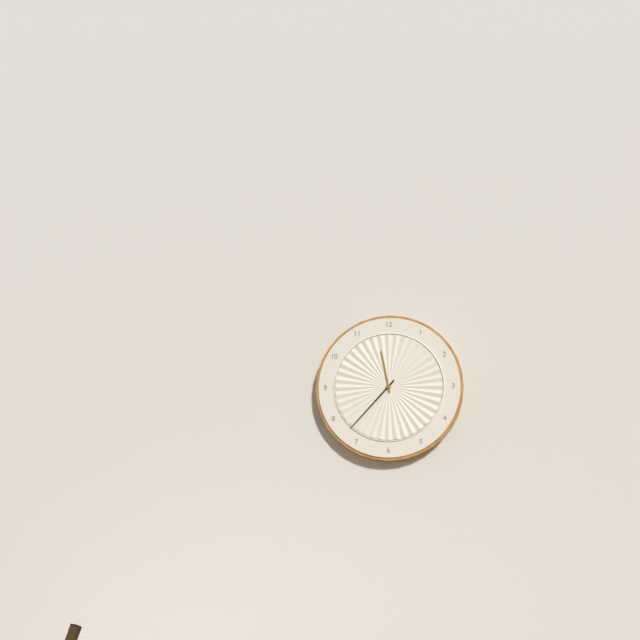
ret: {"hour": 11, "minute": 37}
